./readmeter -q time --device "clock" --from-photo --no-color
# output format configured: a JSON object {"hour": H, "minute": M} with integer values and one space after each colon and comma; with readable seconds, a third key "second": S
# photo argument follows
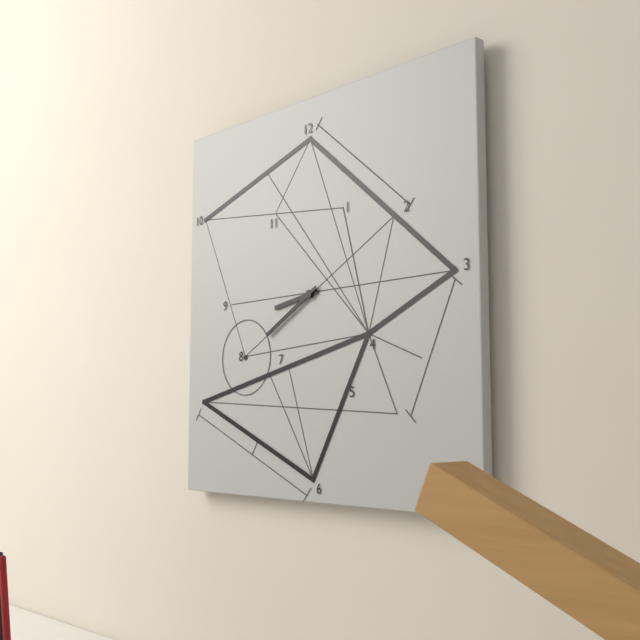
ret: {"hour": 8, "minute": 40}
